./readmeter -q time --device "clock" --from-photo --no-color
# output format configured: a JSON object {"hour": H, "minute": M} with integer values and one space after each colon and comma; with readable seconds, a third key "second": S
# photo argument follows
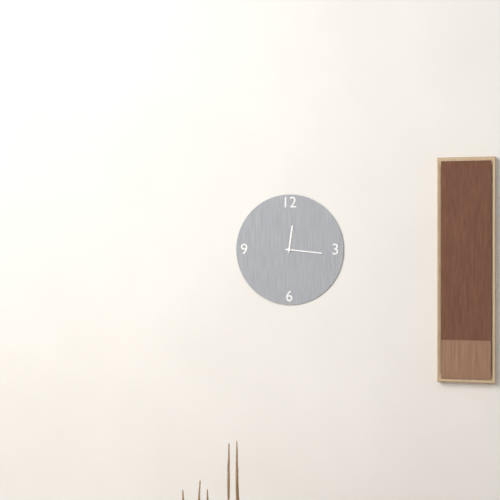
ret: {"hour": 12, "minute": 16}
